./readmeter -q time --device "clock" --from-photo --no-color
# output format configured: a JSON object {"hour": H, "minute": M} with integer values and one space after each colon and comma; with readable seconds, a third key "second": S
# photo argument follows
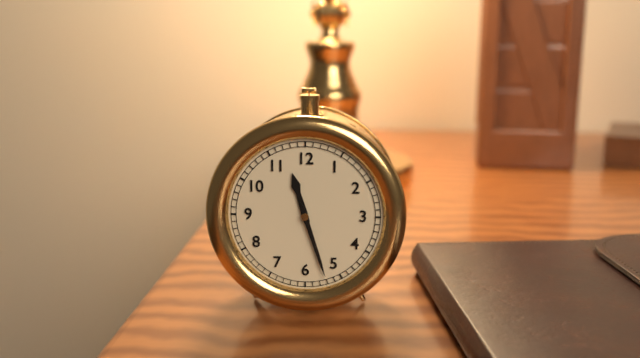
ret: {"hour": 11, "minute": 27}
